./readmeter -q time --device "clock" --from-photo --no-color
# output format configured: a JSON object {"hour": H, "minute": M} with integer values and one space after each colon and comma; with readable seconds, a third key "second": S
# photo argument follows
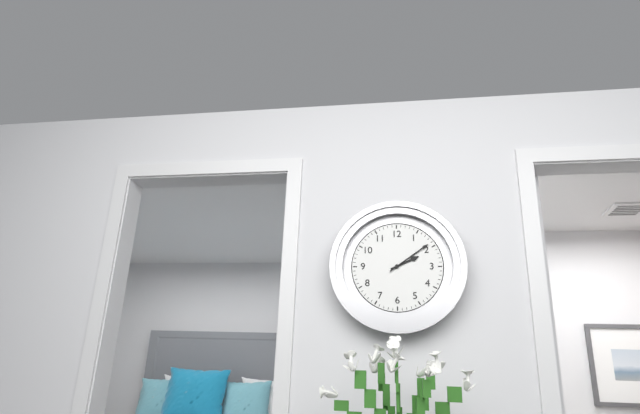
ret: {"hour": 2, "minute": 9}
